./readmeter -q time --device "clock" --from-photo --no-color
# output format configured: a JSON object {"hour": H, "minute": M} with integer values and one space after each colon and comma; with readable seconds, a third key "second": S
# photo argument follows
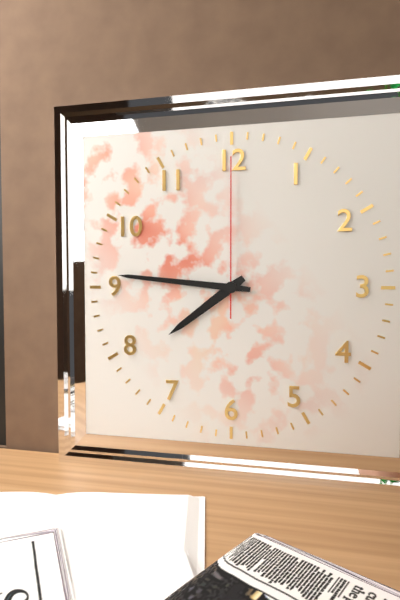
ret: {"hour": 7, "minute": 46, "second": 0}
